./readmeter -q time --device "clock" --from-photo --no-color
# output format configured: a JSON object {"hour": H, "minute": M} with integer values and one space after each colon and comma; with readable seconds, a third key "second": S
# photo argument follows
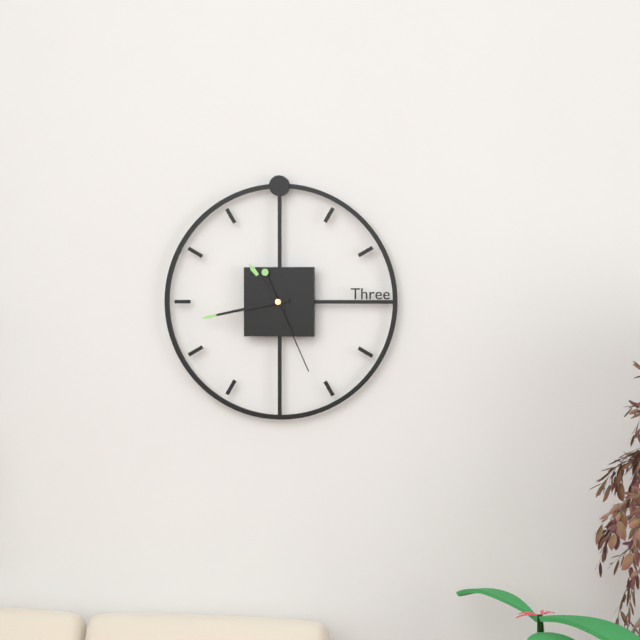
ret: {"hour": 10, "minute": 43, "second": 26}
